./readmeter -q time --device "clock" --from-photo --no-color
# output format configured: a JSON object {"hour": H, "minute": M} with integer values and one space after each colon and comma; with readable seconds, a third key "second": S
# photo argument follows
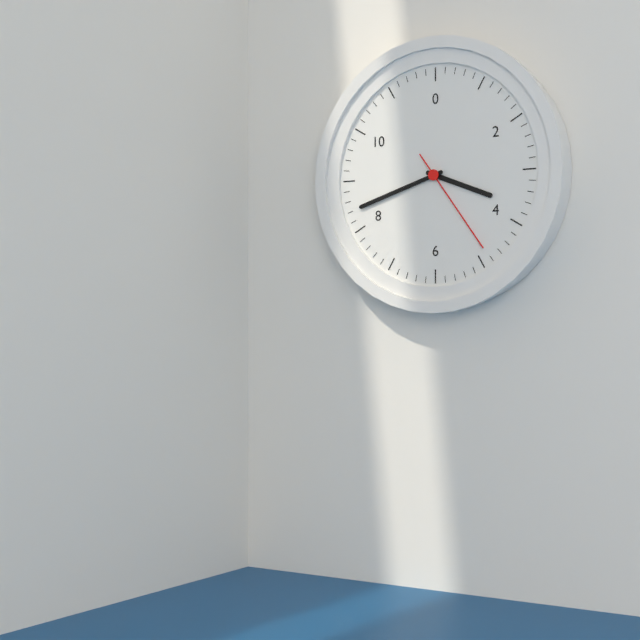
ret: {"hour": 3, "minute": 42, "second": 24}
